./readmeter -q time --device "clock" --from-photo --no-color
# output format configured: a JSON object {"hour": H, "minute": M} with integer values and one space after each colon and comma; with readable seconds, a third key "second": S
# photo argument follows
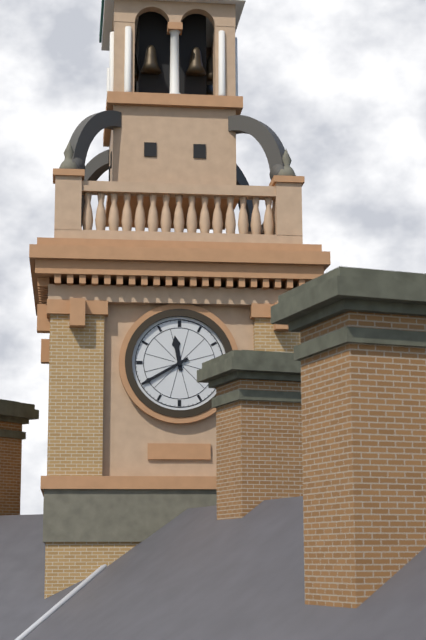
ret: {"hour": 11, "minute": 40}
